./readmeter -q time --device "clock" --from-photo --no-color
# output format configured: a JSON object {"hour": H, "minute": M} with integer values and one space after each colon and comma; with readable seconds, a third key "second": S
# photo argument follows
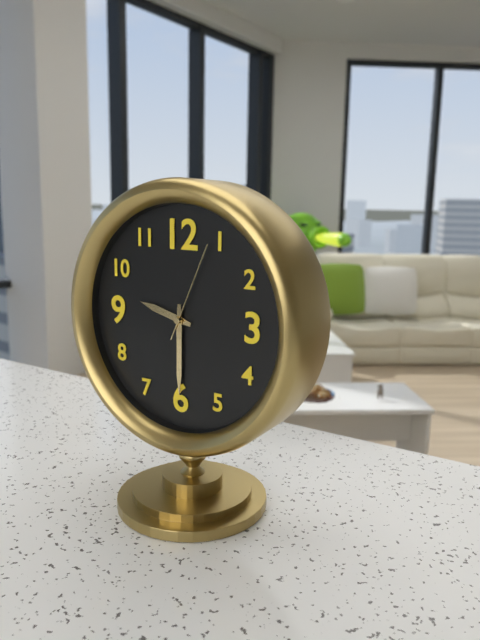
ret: {"hour": 9, "minute": 30, "second": 4}
